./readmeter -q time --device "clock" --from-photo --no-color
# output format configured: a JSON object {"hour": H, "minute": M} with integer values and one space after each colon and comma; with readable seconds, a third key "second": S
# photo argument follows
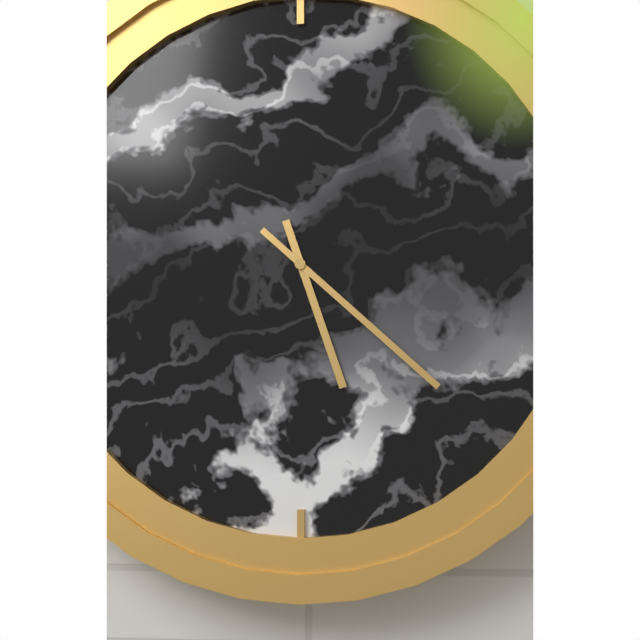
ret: {"hour": 5, "minute": 22}
